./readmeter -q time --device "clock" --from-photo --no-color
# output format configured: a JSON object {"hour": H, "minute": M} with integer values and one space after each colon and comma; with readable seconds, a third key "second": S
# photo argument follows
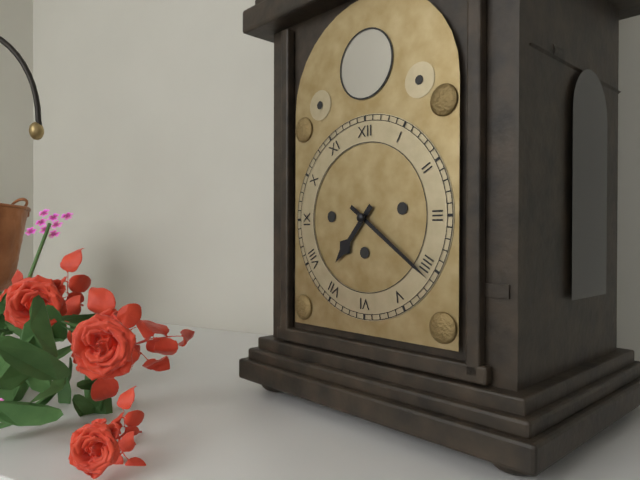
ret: {"hour": 7, "minute": 21}
